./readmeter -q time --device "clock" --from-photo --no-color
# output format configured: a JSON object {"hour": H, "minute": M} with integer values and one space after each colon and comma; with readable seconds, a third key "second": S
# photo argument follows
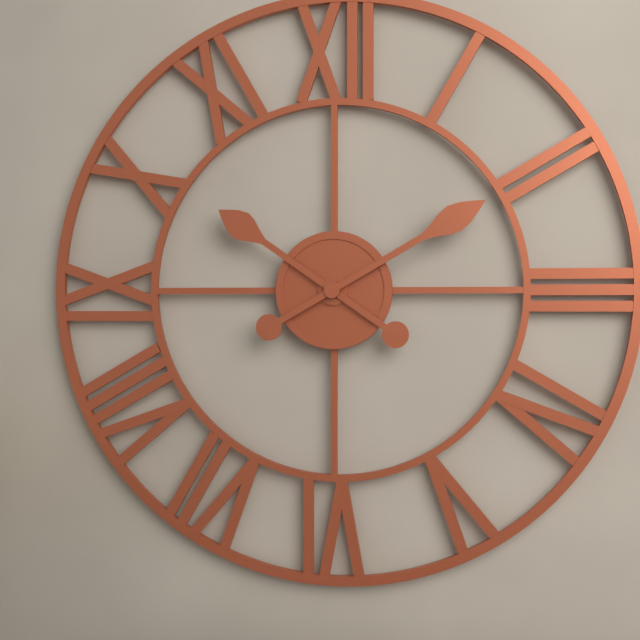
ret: {"hour": 10, "minute": 10}
